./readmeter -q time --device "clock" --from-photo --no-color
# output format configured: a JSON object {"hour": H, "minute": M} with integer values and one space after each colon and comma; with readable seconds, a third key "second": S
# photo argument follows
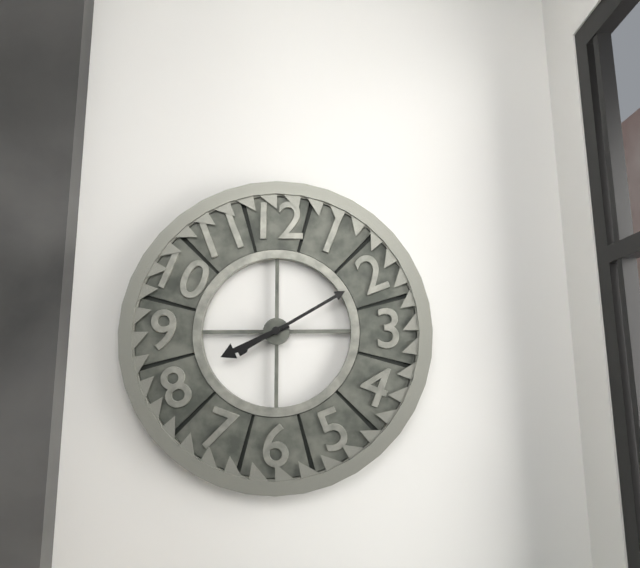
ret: {"hour": 8, "minute": 10}
